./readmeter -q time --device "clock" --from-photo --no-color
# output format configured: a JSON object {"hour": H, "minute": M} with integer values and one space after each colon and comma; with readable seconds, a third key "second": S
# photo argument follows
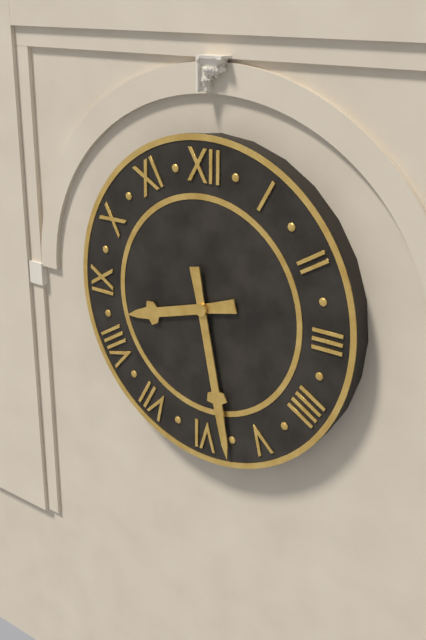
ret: {"hour": 8, "minute": 28}
